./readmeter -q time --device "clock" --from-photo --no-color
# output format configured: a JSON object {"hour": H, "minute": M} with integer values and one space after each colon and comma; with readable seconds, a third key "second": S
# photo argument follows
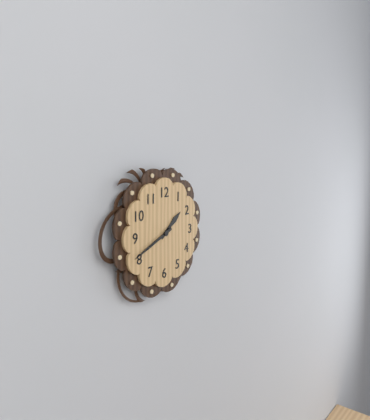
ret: {"hour": 1, "minute": 41}
